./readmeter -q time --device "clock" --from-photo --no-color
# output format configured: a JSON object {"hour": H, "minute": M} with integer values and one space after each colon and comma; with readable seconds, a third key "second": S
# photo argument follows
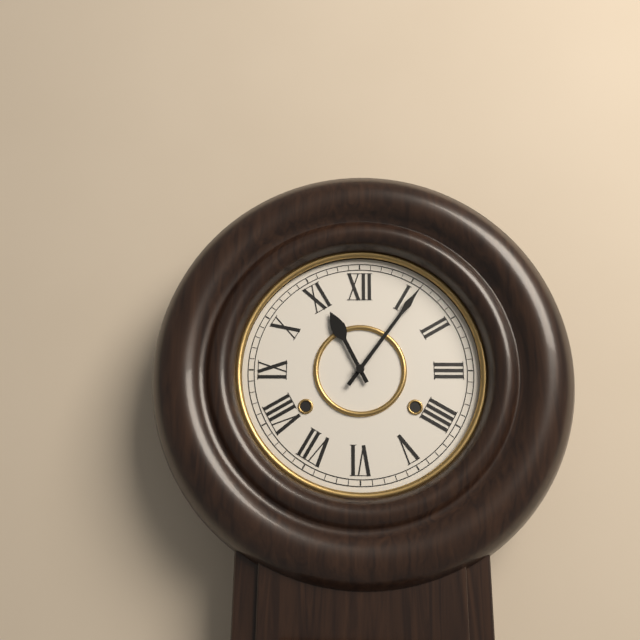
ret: {"hour": 11, "minute": 6}
